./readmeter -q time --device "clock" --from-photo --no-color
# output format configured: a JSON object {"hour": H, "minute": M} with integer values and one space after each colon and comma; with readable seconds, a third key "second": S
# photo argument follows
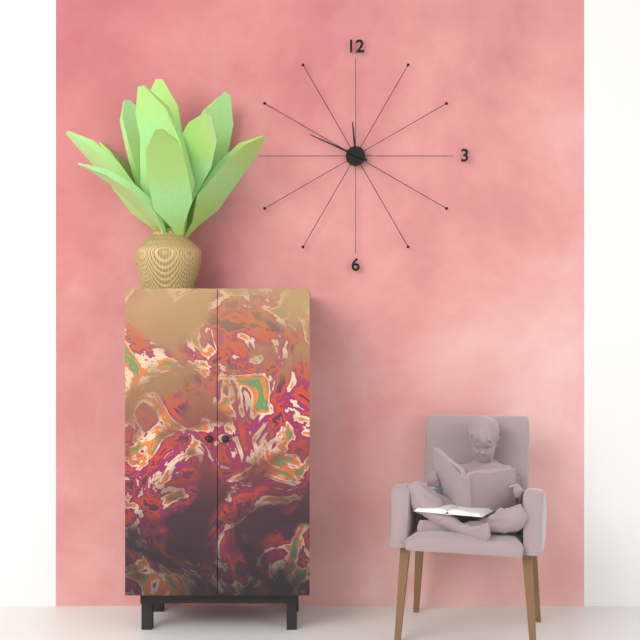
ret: {"hour": 11, "minute": 49}
